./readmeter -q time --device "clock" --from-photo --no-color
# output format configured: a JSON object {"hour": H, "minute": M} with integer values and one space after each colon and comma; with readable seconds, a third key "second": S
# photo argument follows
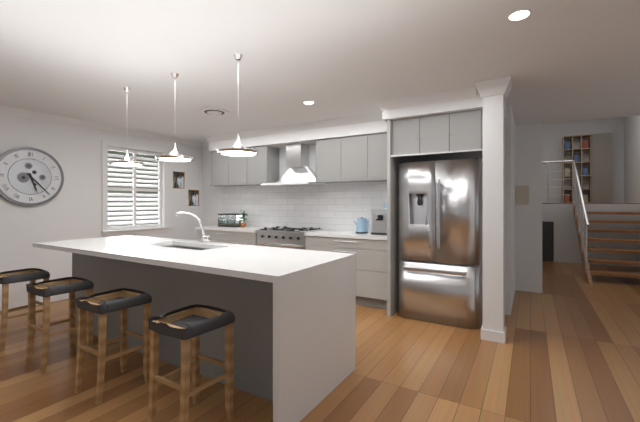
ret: {"hour": 5, "minute": 23}
